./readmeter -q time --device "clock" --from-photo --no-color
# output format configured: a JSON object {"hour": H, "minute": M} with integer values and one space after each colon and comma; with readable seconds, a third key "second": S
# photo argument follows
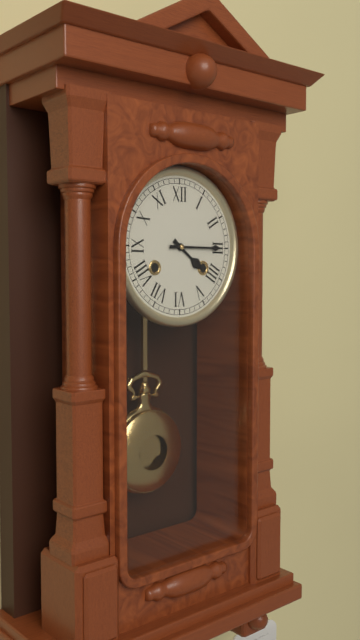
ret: {"hour": 4, "minute": 15}
